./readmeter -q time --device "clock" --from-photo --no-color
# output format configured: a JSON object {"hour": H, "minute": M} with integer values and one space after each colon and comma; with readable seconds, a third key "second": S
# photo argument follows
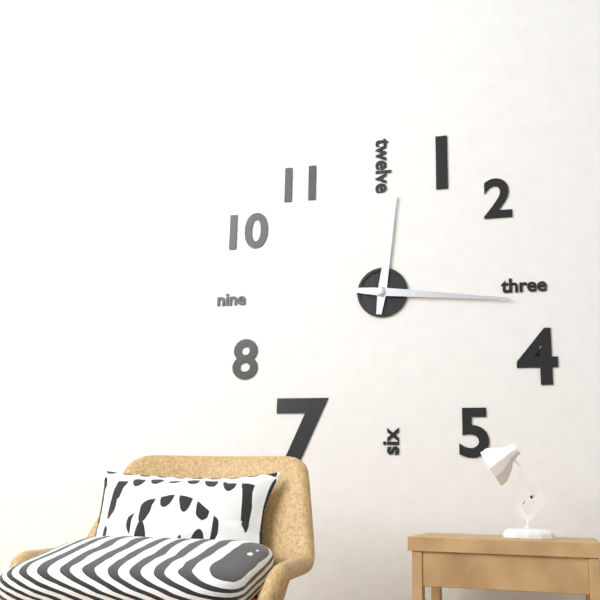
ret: {"hour": 12, "minute": 16}
